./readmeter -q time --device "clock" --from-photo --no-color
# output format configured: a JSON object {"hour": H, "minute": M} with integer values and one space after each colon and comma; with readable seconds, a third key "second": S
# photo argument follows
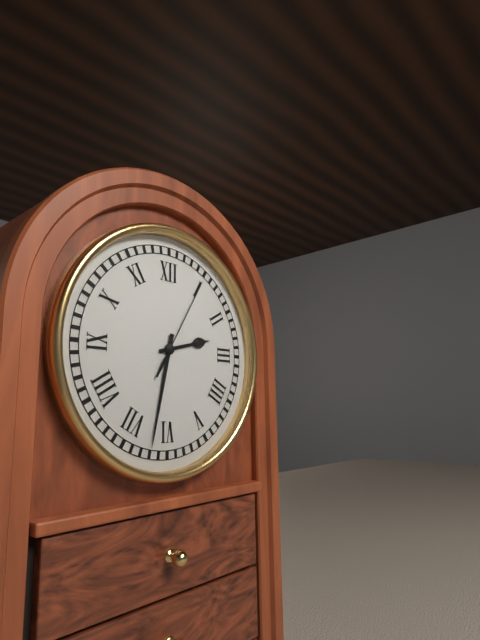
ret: {"hour": 2, "minute": 32, "second": 5}
